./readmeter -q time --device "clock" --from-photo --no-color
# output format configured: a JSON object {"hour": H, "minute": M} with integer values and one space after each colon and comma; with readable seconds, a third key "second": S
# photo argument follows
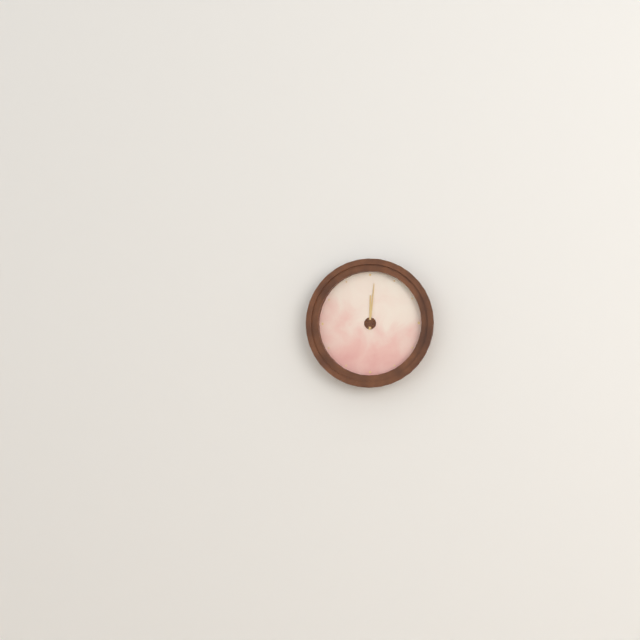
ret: {"hour": 12, "minute": 1}
